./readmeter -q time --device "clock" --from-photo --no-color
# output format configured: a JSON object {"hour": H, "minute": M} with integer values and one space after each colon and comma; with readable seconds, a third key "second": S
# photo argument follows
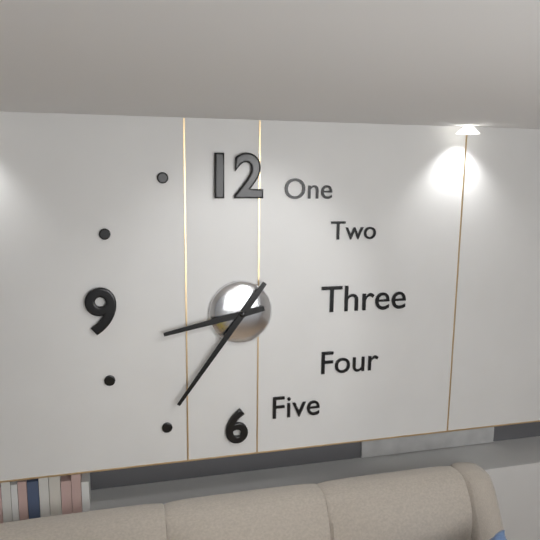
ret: {"hour": 8, "minute": 36}
